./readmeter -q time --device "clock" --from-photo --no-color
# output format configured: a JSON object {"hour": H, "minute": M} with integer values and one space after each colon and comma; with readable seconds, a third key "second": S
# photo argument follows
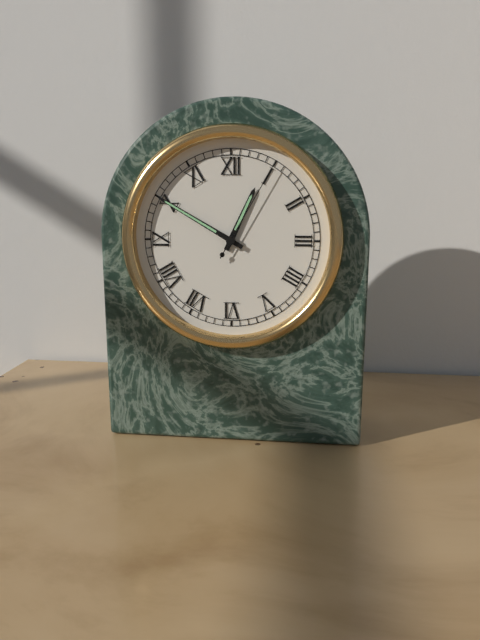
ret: {"hour": 12, "minute": 50, "second": 5}
